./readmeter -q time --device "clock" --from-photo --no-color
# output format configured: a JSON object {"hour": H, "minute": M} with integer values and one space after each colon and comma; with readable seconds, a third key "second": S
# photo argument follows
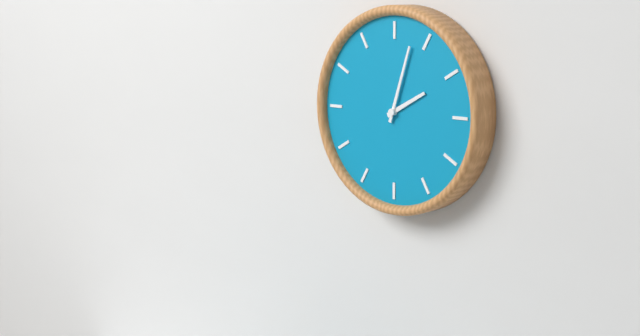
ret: {"hour": 2, "minute": 3}
